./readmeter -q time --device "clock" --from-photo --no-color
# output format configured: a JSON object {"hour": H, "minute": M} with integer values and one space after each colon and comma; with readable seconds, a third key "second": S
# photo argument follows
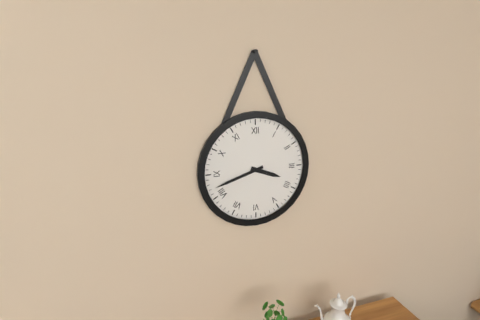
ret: {"hour": 3, "minute": 42}
